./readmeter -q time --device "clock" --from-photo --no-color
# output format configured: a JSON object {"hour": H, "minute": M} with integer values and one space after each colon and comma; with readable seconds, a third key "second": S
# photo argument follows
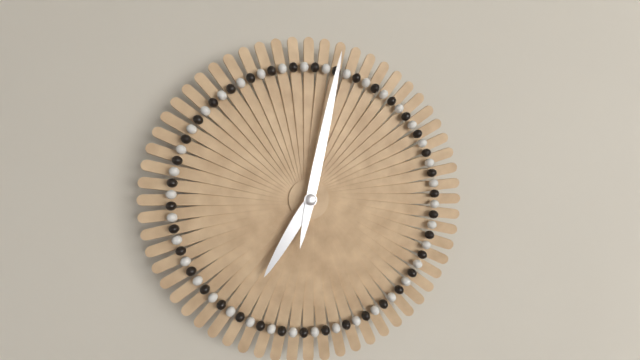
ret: {"hour": 7, "minute": 2}
